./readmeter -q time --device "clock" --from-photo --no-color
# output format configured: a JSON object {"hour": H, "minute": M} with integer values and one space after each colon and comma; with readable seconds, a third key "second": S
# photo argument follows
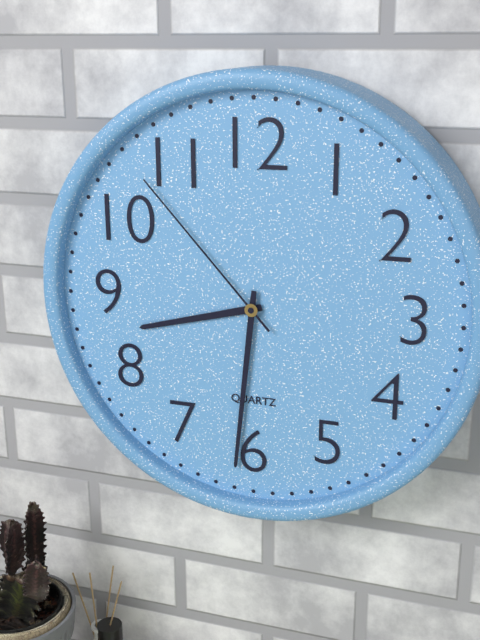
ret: {"hour": 8, "minute": 31, "second": 53}
